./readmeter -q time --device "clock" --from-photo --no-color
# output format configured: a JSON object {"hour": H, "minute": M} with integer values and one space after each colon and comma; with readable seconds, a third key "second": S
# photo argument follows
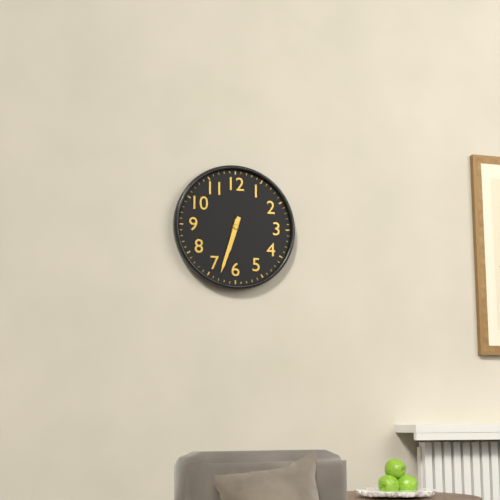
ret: {"hour": 6, "minute": 33}
